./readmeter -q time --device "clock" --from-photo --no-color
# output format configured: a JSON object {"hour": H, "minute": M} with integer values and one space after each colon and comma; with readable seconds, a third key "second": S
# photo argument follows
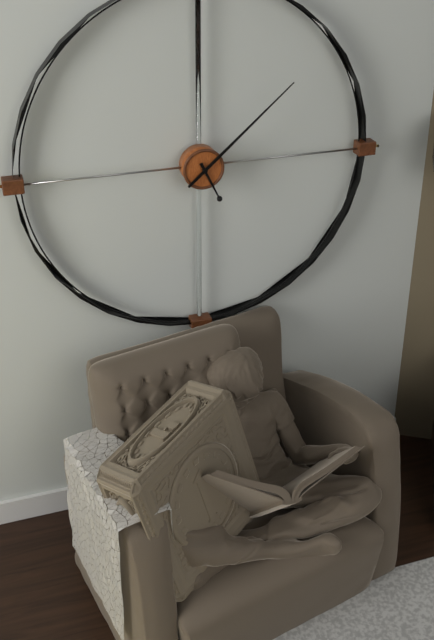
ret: {"hour": 5, "minute": 8}
